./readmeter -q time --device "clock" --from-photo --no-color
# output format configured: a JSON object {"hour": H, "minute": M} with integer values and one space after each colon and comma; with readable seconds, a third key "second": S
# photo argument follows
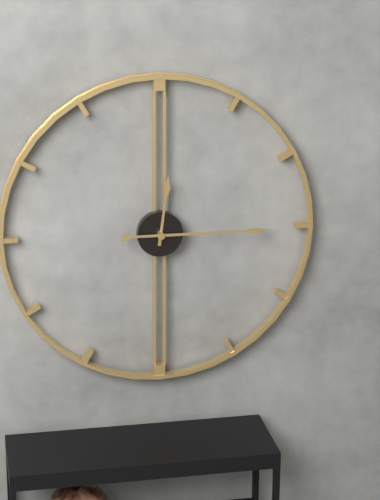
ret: {"hour": 12, "minute": 15}
